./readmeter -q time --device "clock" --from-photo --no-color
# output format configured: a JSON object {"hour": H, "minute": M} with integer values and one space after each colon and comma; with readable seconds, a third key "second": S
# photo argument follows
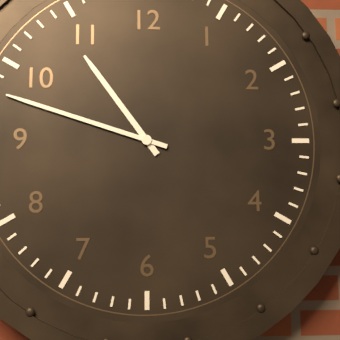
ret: {"hour": 10, "minute": 48}
